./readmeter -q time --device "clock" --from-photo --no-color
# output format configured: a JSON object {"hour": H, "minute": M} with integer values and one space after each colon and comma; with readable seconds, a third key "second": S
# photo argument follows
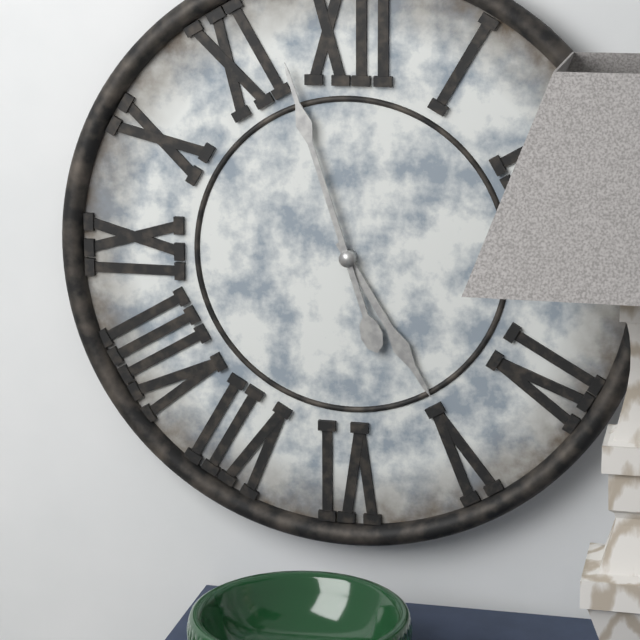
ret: {"hour": 4, "minute": 57}
